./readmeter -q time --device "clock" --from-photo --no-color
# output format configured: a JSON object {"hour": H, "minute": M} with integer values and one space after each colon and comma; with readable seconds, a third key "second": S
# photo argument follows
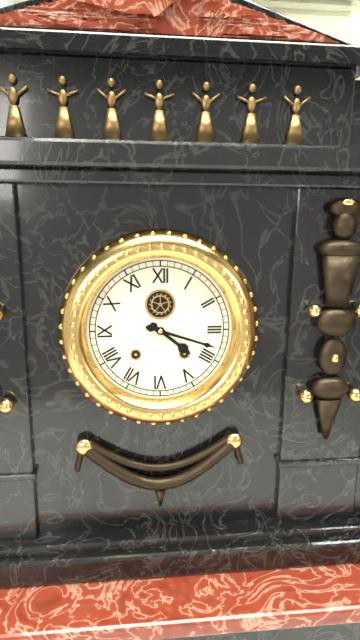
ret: {"hour": 4, "minute": 18}
